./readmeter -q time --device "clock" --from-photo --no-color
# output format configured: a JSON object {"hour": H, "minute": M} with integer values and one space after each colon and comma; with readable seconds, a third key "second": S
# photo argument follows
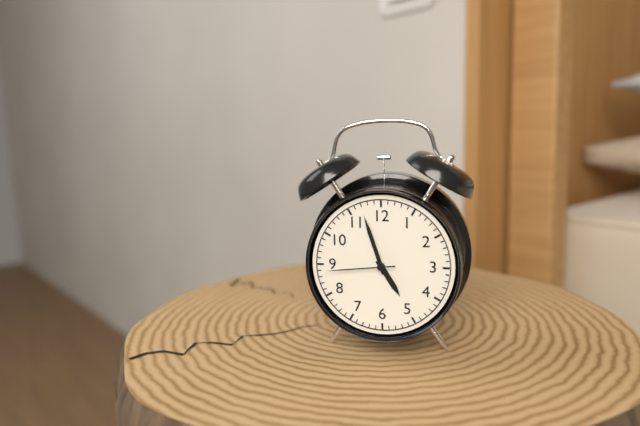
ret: {"hour": 4, "minute": 57, "second": 44}
